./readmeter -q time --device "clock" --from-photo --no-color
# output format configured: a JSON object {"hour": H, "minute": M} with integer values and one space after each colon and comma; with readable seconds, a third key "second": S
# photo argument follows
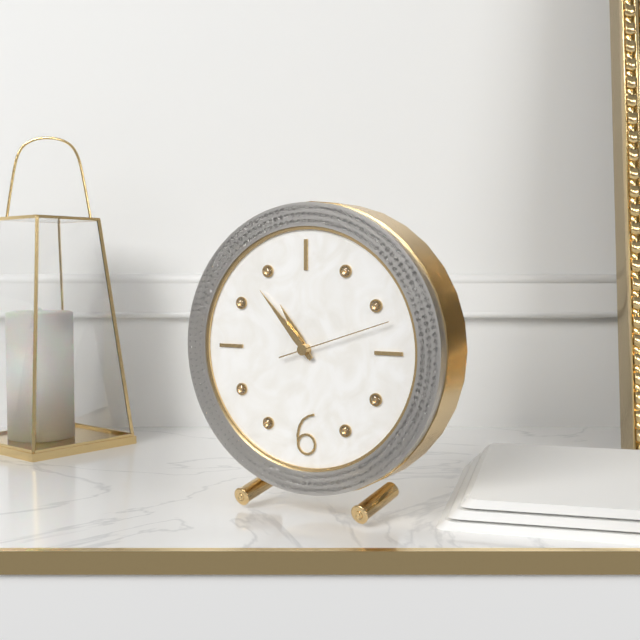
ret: {"hour": 10, "minute": 53, "second": 12}
